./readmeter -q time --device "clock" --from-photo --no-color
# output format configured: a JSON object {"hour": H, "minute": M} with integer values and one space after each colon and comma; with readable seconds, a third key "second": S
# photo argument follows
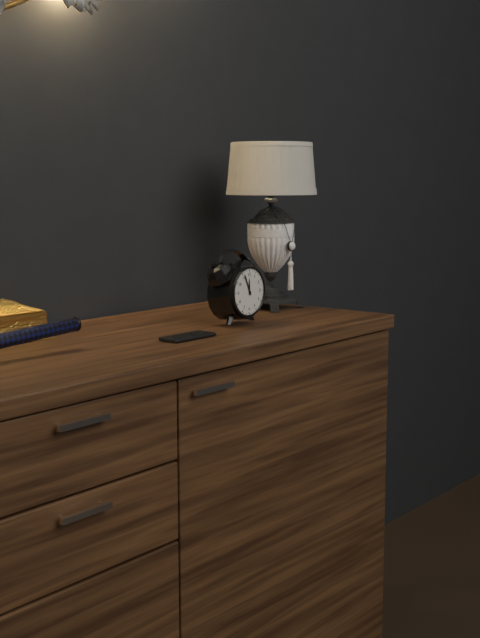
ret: {"hour": 11, "minute": 56}
